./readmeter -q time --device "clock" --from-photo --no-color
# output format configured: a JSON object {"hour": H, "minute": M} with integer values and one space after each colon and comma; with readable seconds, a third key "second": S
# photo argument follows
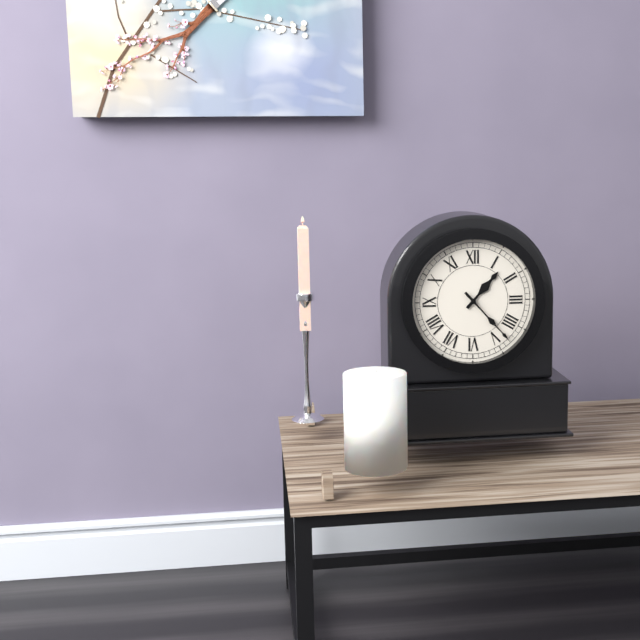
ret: {"hour": 1, "minute": 23}
